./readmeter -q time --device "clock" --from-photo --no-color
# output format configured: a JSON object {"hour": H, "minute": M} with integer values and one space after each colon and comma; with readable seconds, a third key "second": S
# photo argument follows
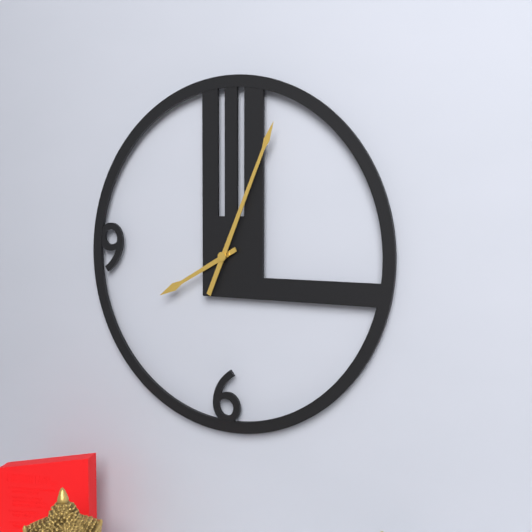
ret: {"hour": 8, "minute": 4}
